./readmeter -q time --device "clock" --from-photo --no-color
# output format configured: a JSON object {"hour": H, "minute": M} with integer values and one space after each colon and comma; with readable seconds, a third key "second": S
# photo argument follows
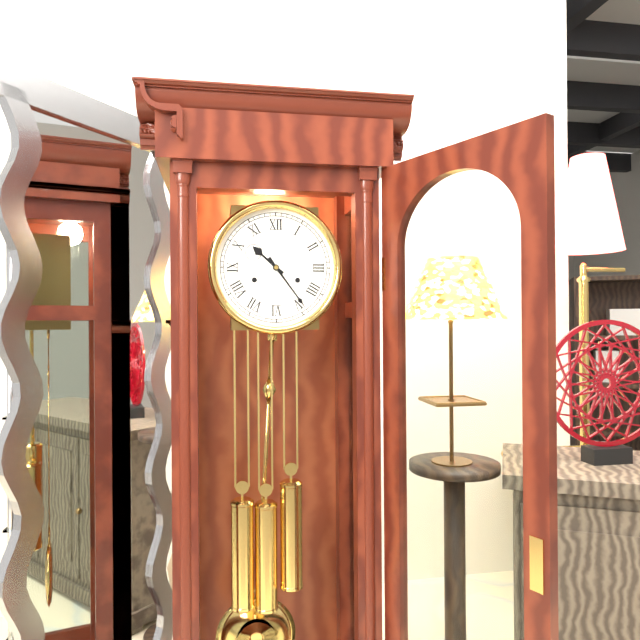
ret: {"hour": 10, "minute": 24}
